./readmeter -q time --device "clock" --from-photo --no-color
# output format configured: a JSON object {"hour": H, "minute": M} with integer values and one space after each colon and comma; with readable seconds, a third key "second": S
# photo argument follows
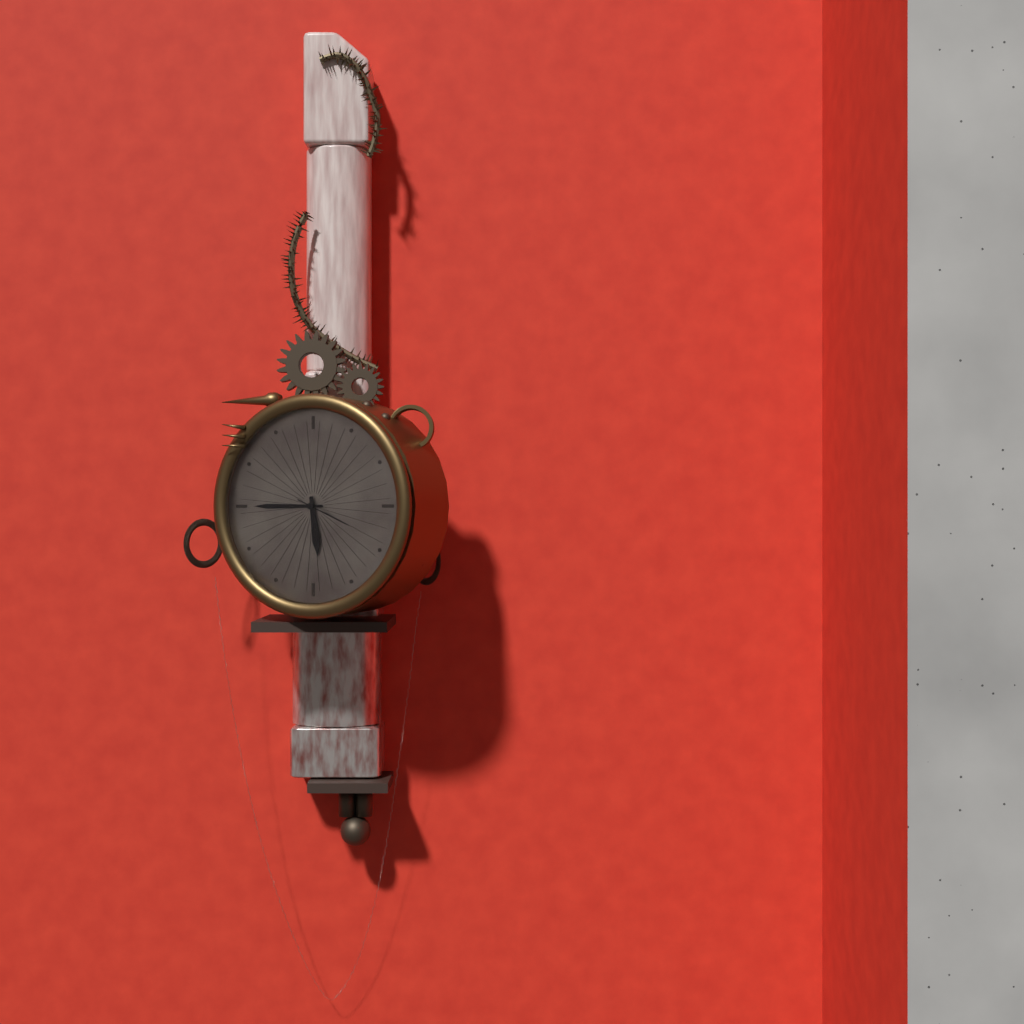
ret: {"hour": 5, "minute": 45, "second": 19}
